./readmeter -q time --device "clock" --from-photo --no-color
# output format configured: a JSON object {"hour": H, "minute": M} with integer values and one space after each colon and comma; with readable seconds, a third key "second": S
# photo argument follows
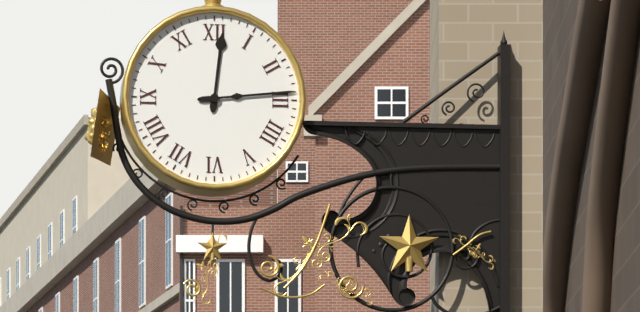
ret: {"hour": 12, "minute": 14}
